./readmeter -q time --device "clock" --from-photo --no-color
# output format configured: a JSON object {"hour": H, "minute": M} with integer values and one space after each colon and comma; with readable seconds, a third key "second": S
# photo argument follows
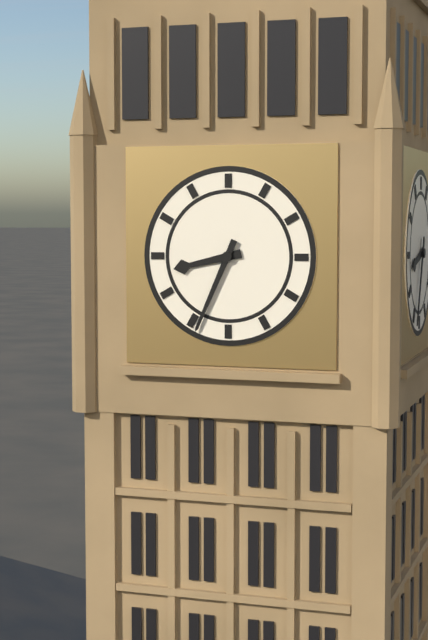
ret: {"hour": 8, "minute": 34}
